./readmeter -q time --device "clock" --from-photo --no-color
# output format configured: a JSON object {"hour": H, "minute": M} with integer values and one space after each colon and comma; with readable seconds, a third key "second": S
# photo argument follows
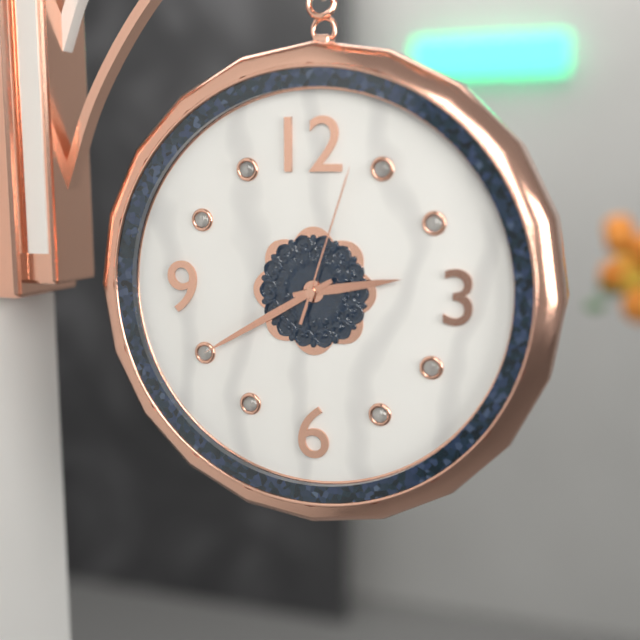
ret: {"hour": 2, "minute": 40, "second": 3}
